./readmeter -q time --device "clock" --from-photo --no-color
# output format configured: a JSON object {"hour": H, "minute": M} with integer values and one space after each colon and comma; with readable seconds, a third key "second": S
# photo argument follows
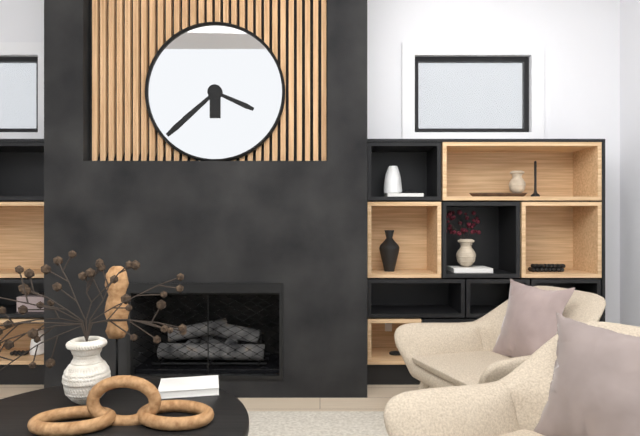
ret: {"hour": 7, "minute": 38, "second": 19}
